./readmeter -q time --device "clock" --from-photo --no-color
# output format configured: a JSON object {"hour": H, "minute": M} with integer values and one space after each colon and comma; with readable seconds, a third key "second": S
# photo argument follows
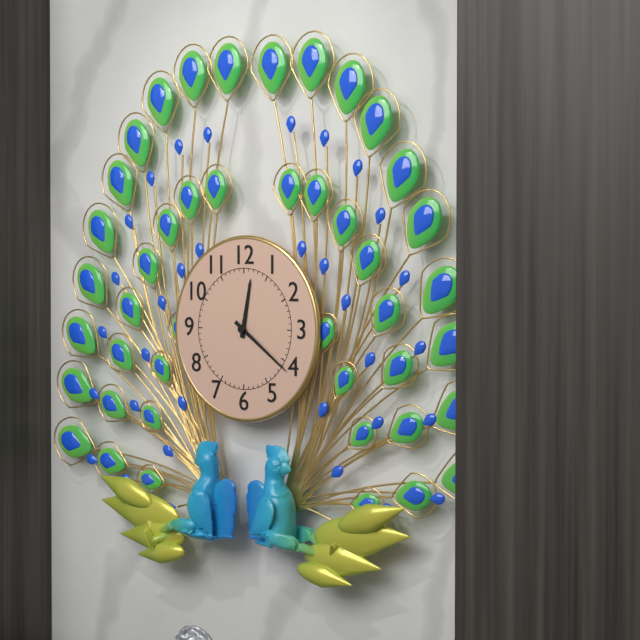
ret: {"hour": 12, "minute": 21}
